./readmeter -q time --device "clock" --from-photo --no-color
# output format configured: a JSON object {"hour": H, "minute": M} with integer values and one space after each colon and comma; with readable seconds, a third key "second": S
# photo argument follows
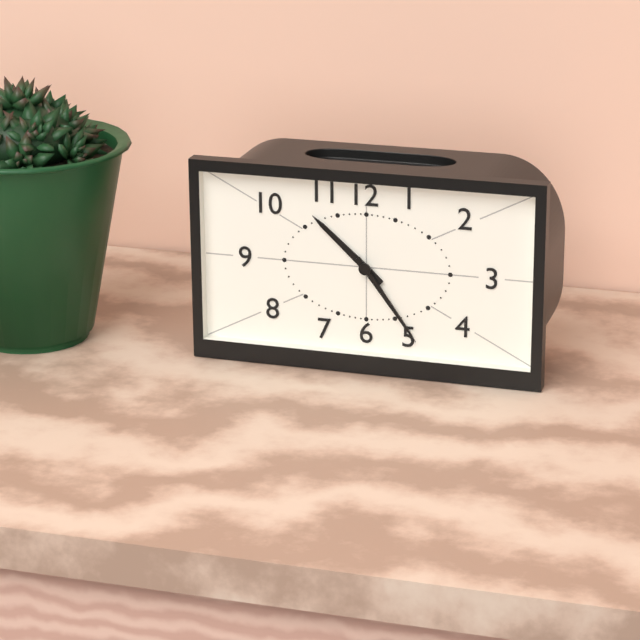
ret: {"hour": 10, "minute": 24}
